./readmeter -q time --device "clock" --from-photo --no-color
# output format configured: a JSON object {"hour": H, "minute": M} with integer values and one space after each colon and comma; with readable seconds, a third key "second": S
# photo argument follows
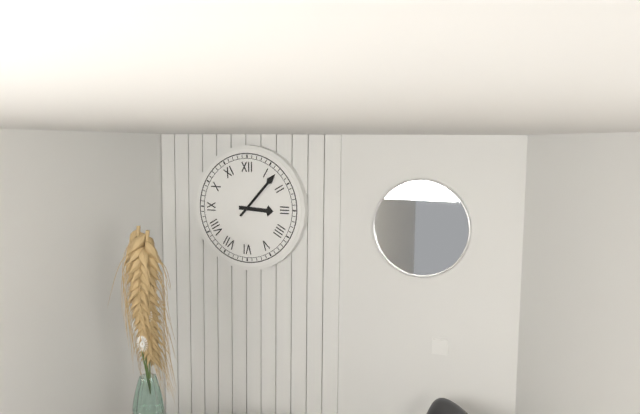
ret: {"hour": 3, "minute": 7}
